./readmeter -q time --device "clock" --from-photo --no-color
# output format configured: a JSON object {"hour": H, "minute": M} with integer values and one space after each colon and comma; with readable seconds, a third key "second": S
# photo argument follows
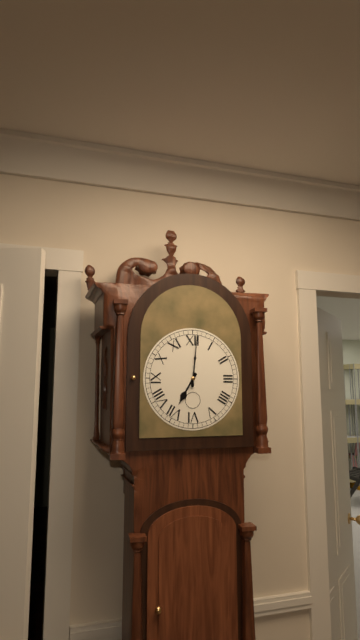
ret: {"hour": 7, "minute": 1}
